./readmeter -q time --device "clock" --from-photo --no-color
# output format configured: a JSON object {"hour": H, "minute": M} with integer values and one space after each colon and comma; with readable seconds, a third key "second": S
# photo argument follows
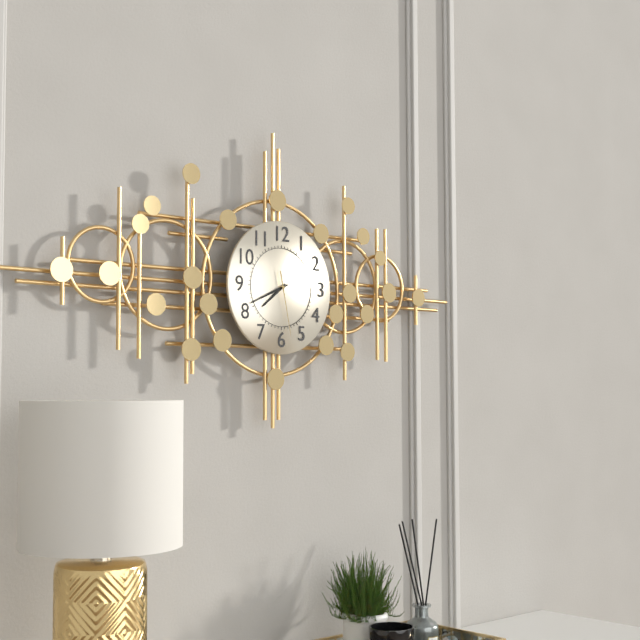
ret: {"hour": 7, "minute": 41, "second": 28}
